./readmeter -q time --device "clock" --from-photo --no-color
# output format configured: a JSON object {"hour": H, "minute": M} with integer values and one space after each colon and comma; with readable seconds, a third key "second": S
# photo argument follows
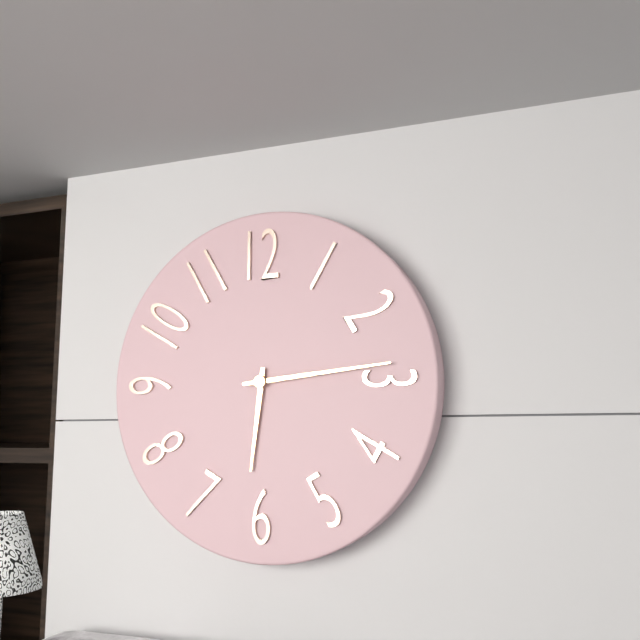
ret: {"hour": 6, "minute": 14}
